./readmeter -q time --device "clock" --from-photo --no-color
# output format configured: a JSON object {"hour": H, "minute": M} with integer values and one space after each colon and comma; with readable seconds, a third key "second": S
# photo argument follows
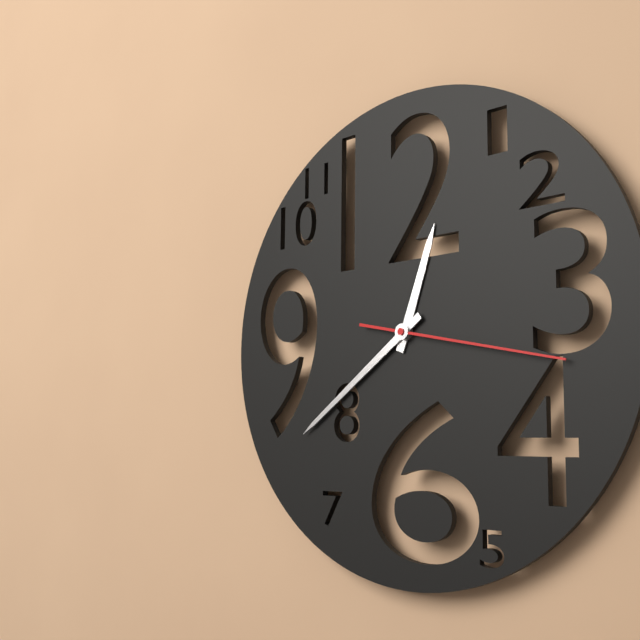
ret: {"hour": 12, "minute": 39, "second": 17}
